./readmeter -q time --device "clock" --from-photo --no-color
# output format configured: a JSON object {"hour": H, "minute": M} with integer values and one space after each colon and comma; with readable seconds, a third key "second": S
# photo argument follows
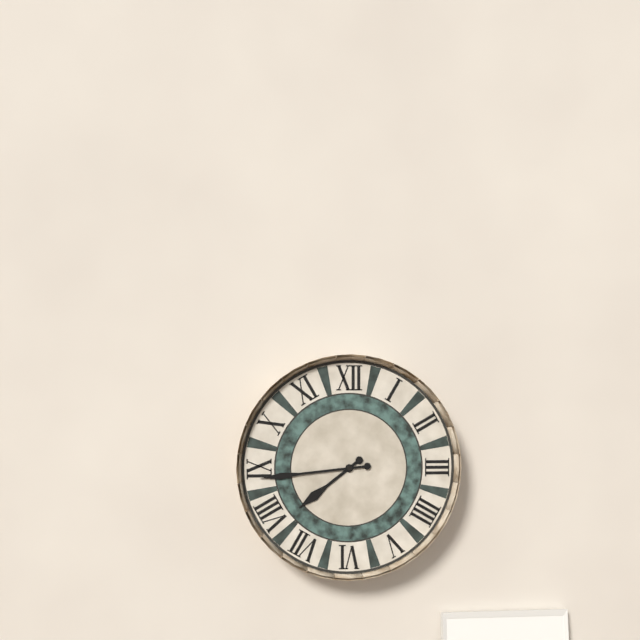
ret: {"hour": 7, "minute": 44}
